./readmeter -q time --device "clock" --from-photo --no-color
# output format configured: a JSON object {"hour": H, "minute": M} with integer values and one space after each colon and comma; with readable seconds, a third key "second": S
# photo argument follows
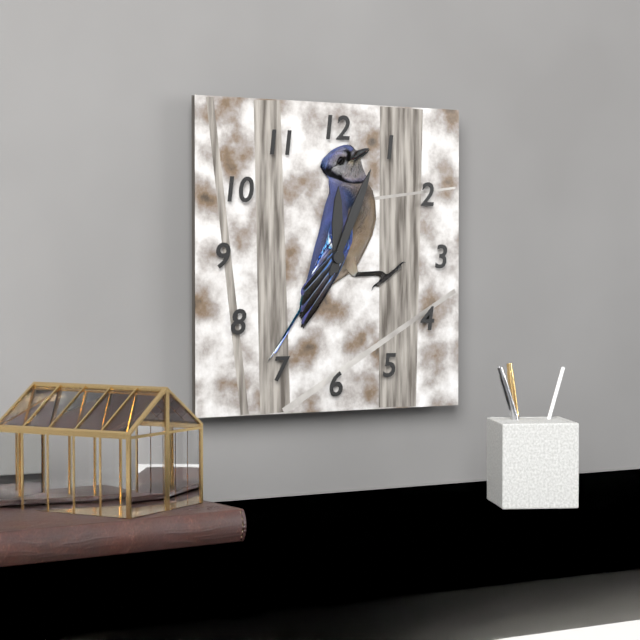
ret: {"hour": 12, "minute": 4}
